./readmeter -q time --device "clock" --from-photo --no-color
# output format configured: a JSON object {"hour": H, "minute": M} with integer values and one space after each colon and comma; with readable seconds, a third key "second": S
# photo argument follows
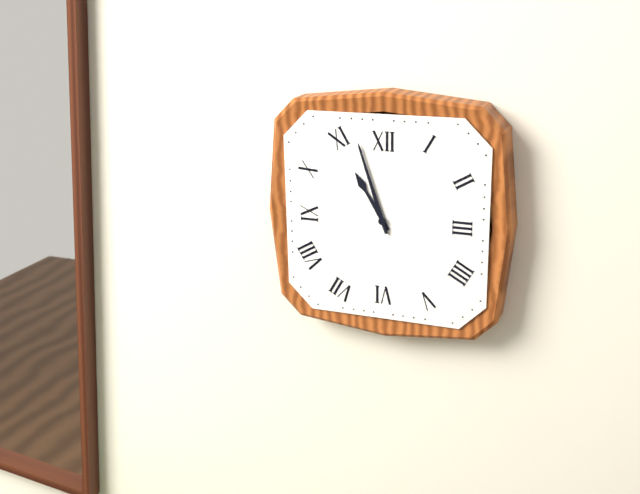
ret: {"hour": 10, "minute": 57}
